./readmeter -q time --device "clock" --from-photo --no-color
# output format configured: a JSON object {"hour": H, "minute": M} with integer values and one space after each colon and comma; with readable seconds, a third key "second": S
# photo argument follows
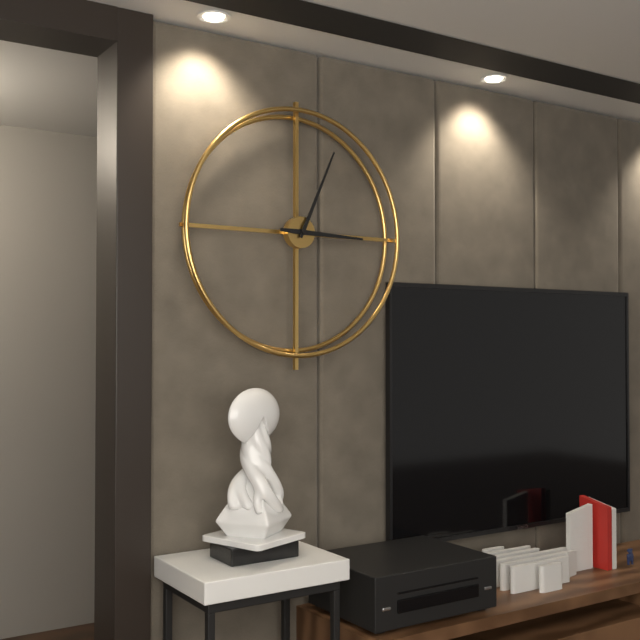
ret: {"hour": 3, "minute": 4}
